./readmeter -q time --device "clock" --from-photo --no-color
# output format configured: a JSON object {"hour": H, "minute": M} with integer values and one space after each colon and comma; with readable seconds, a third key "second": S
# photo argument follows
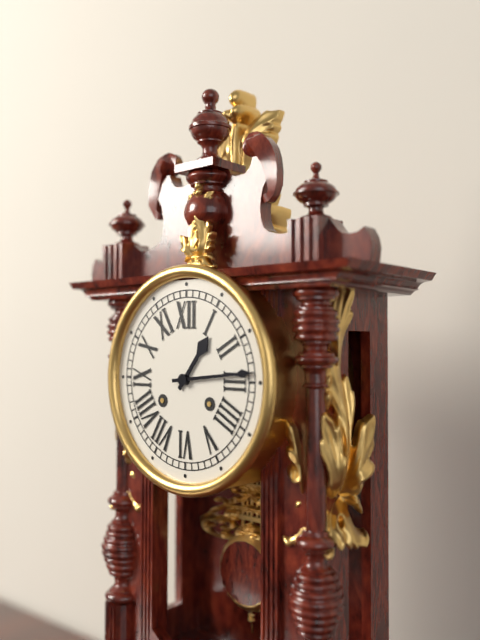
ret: {"hour": 1, "minute": 14}
